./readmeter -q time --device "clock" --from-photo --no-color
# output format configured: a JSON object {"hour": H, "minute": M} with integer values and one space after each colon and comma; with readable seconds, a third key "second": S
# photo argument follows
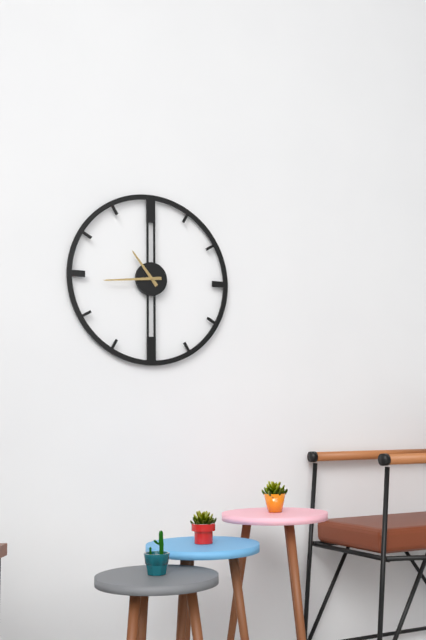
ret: {"hour": 10, "minute": 44}
